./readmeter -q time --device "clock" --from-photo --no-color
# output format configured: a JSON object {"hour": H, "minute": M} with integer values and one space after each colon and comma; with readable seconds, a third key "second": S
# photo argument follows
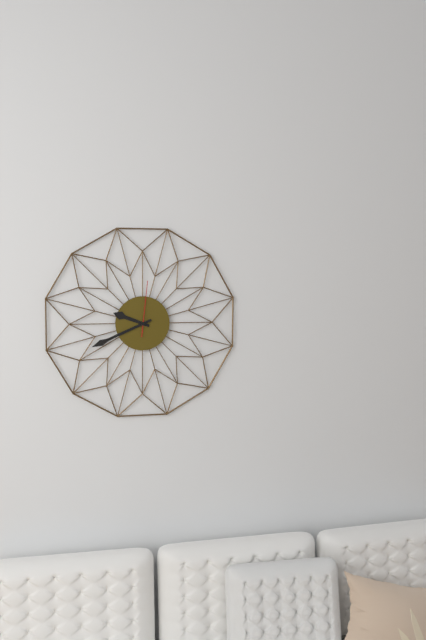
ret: {"hour": 9, "minute": 41, "second": 1}
